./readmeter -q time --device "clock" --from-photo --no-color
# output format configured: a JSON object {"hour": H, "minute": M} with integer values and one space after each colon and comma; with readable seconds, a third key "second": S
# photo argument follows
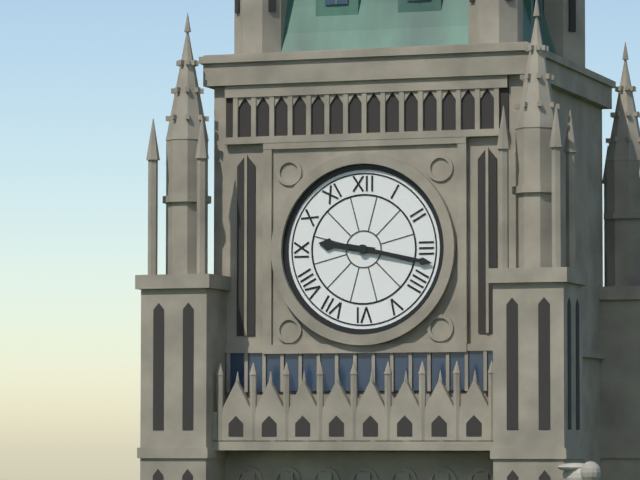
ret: {"hour": 9, "minute": 17}
